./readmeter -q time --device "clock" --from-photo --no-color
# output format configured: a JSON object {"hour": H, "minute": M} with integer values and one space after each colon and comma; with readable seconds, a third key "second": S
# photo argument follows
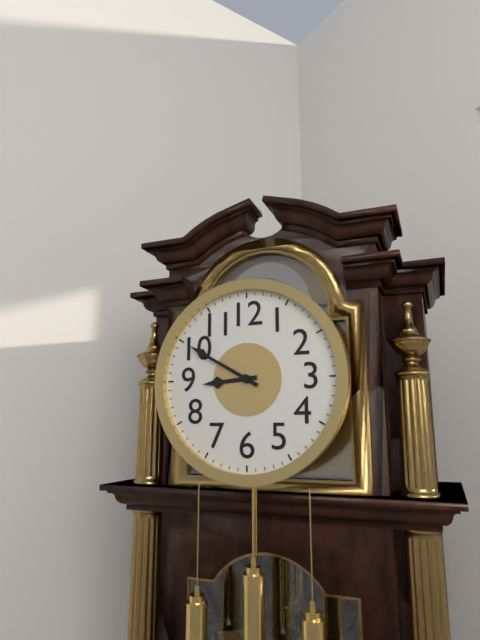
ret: {"hour": 8, "minute": 50}
